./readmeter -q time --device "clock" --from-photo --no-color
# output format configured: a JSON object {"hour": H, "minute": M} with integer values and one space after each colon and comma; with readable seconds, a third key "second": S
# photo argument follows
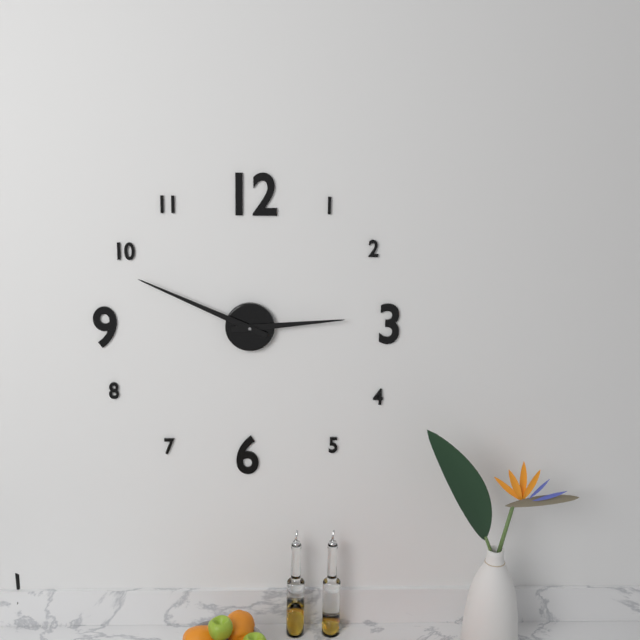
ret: {"hour": 2, "minute": 49}
